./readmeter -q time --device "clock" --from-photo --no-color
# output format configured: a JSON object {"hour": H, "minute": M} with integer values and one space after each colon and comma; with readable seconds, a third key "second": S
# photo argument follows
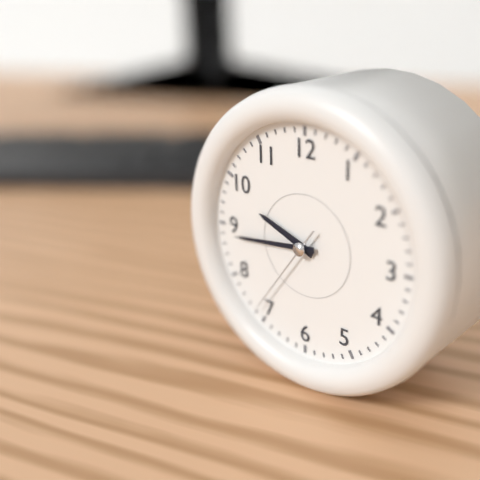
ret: {"hour": 9, "minute": 44, "second": 36}
